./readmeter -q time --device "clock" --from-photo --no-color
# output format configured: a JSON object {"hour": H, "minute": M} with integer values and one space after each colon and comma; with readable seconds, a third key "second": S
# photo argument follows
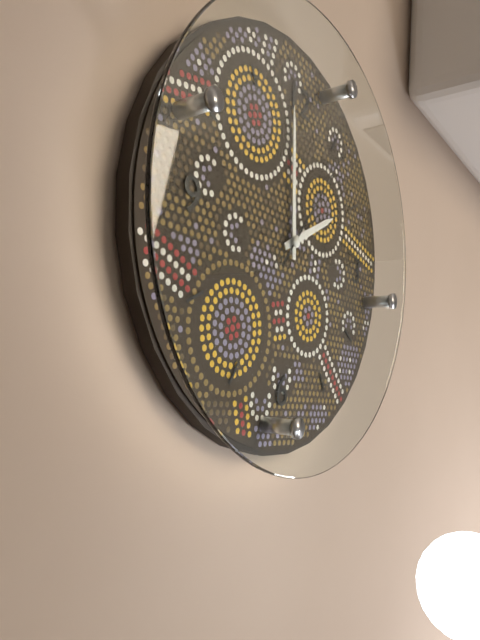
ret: {"hour": 1, "minute": 59, "second": 6}
